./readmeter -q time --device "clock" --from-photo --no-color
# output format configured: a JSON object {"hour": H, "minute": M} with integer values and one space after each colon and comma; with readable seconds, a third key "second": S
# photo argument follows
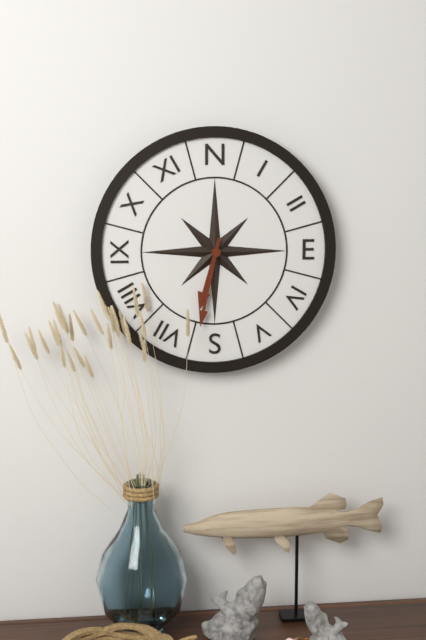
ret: {"hour": 6, "minute": 32}
